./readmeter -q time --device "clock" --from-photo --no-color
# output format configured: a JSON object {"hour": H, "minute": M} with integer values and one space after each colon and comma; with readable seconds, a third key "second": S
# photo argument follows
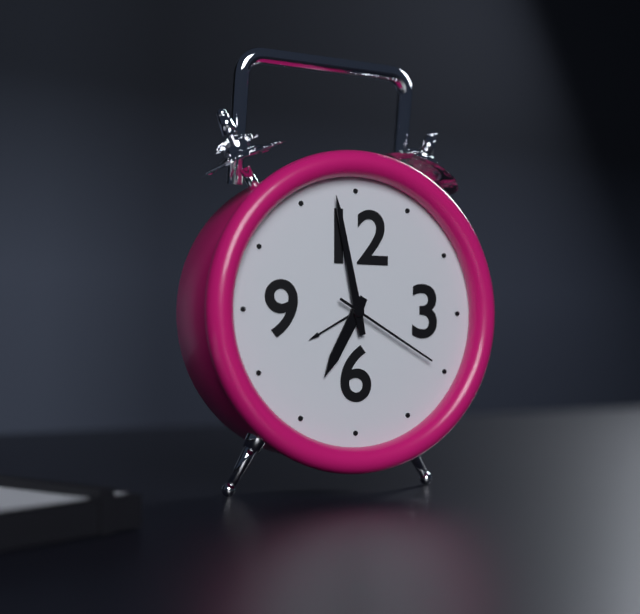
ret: {"hour": 6, "minute": 58, "second": 20}
